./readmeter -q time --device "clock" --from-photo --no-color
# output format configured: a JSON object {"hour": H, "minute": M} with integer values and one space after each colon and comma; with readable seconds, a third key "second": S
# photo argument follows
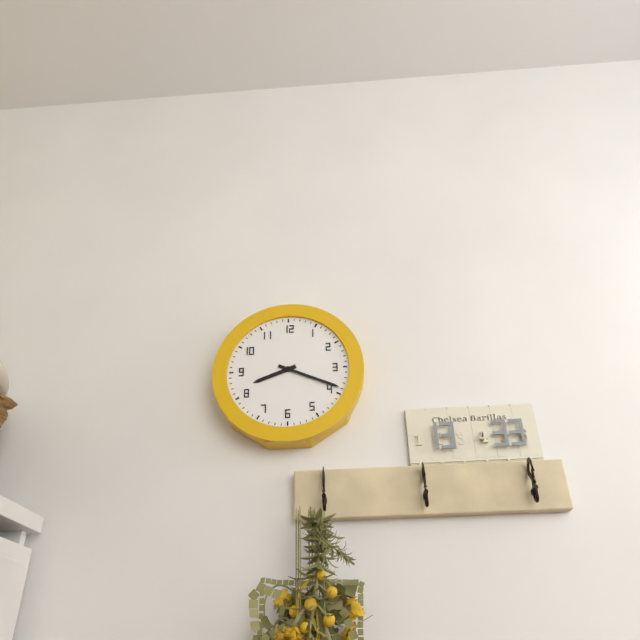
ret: {"hour": 8, "minute": 19}
